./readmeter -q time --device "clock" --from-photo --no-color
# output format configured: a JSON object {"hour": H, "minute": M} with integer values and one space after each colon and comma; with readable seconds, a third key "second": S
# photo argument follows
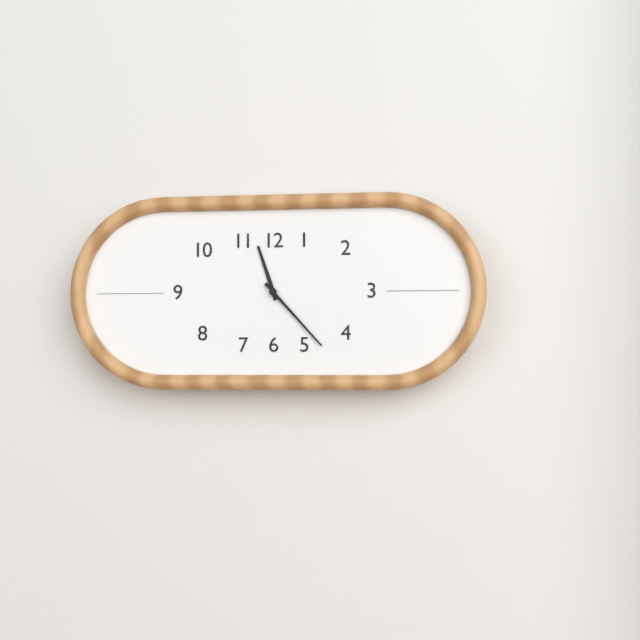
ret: {"hour": 11, "minute": 23}
